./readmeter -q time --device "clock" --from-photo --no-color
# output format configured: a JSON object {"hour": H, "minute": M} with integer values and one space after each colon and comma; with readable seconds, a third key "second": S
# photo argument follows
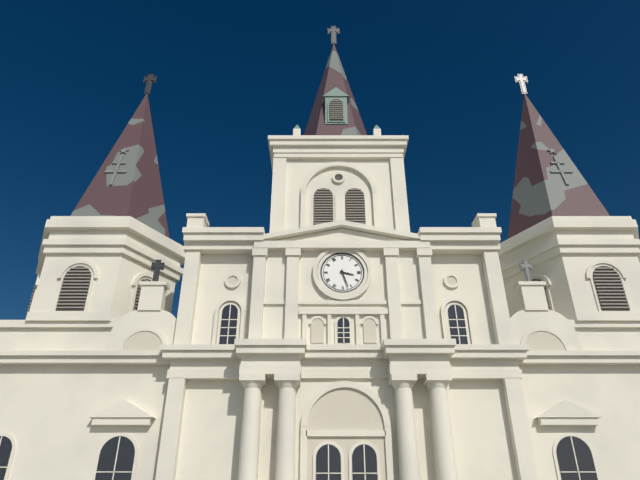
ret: {"hour": 3, "minute": 27}
